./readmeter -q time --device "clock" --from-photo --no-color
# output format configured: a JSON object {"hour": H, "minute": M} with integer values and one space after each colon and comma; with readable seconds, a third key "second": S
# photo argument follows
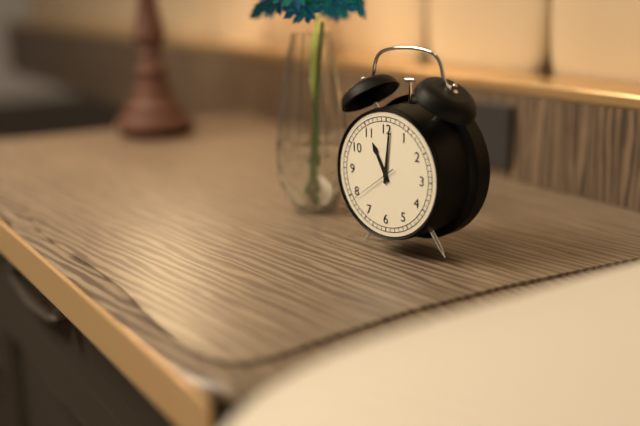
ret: {"hour": 11, "minute": 1}
